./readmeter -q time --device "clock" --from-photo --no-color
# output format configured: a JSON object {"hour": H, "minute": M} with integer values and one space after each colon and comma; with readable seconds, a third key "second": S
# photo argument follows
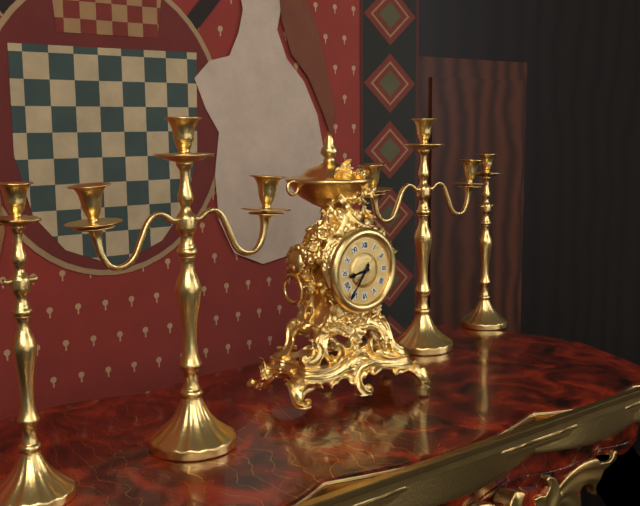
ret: {"hour": 8, "minute": 36}
